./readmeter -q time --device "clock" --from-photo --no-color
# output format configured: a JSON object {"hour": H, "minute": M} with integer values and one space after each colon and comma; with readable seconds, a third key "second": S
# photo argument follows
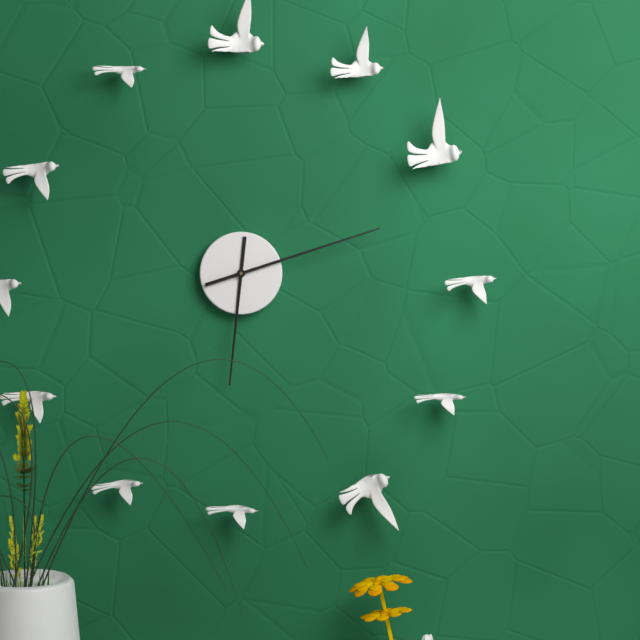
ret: {"hour": 6, "minute": 12}
